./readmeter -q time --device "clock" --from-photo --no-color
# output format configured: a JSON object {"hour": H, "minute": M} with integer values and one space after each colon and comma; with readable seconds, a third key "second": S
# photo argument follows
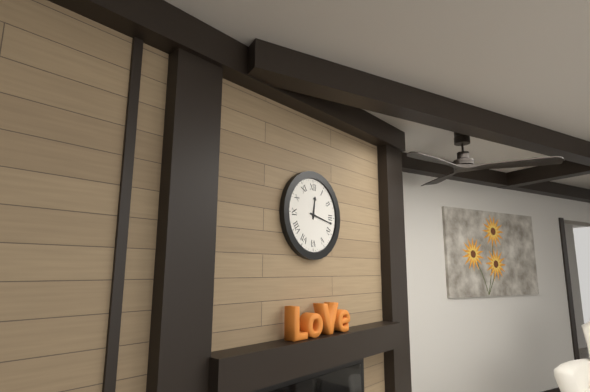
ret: {"hour": 12, "minute": 17}
